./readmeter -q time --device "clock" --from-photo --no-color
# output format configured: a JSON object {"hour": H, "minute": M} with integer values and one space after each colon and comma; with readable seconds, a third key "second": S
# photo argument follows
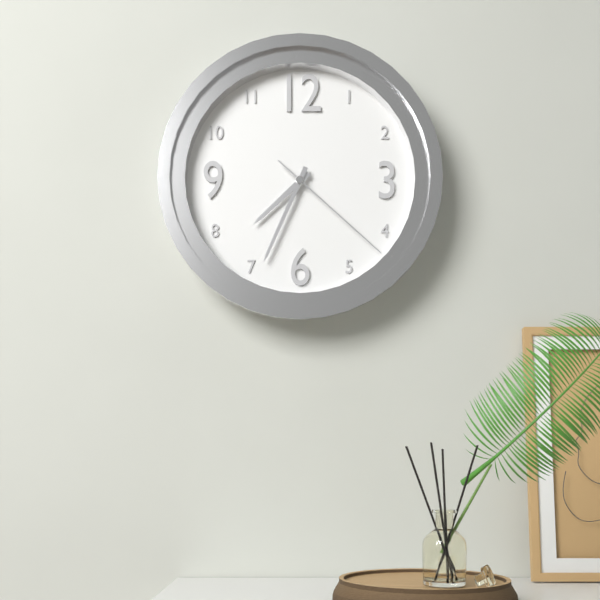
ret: {"hour": 7, "minute": 34, "second": 22}
